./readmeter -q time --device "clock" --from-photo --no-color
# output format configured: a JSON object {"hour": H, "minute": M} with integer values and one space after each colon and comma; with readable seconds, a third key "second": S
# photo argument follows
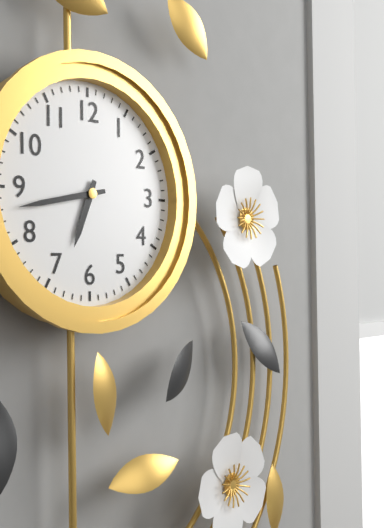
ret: {"hour": 6, "minute": 43}
